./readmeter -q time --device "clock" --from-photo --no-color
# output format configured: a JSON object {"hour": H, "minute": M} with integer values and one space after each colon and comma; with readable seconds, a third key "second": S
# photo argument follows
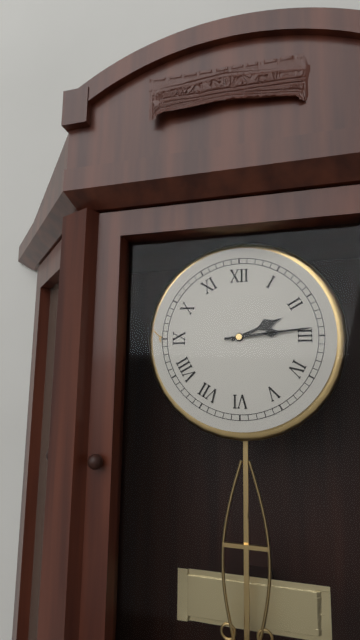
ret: {"hour": 2, "minute": 14}
